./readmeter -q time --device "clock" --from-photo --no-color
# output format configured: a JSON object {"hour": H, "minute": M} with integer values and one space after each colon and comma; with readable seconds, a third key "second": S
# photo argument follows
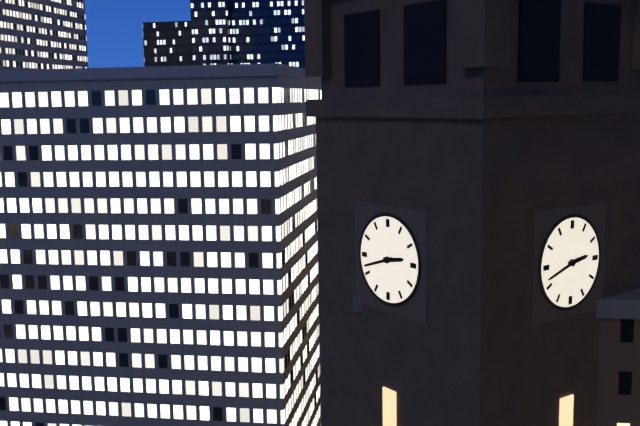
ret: {"hour": 2, "minute": 42}
